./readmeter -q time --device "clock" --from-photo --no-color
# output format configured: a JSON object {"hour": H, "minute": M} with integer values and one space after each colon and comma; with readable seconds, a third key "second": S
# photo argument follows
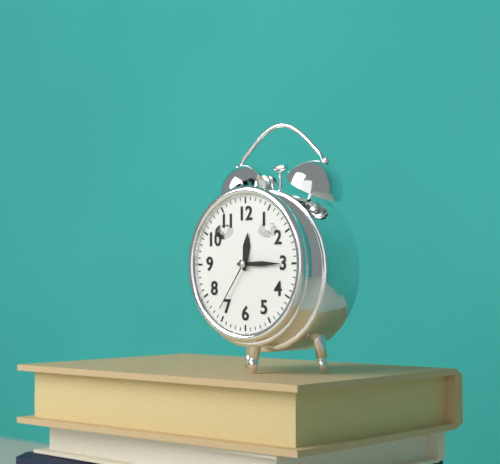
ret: {"hour": 12, "minute": 15, "second": 36}
